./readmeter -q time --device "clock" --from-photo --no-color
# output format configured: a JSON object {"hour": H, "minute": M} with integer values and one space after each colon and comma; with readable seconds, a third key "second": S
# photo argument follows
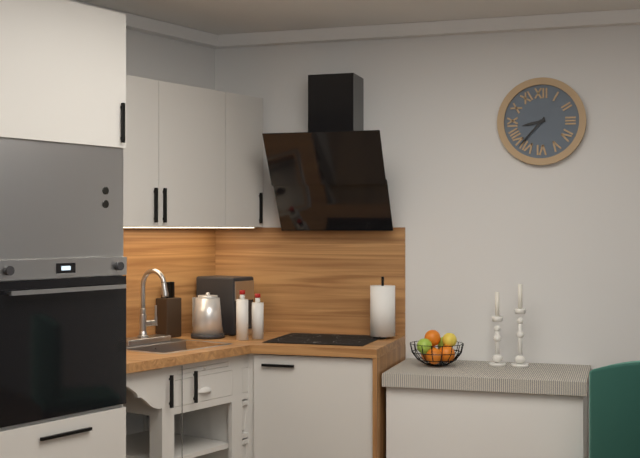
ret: {"hour": 8, "minute": 37}
